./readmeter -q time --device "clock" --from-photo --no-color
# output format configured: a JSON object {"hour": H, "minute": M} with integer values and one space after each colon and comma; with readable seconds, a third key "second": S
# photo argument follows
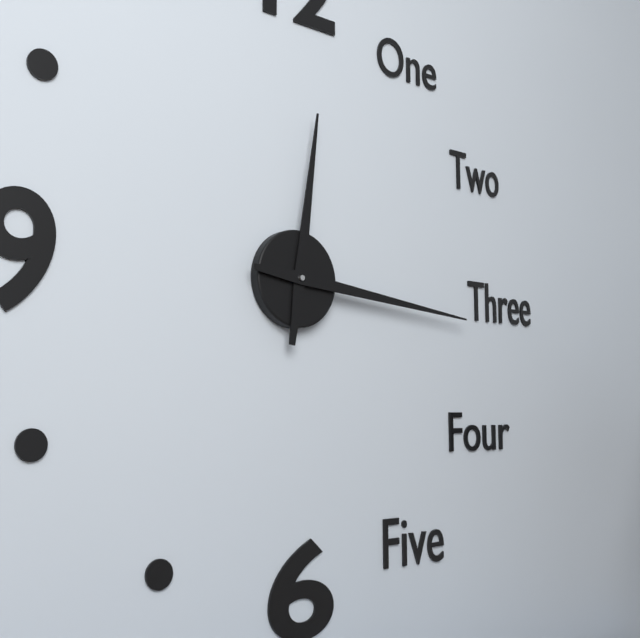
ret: {"hour": 12, "minute": 16}
